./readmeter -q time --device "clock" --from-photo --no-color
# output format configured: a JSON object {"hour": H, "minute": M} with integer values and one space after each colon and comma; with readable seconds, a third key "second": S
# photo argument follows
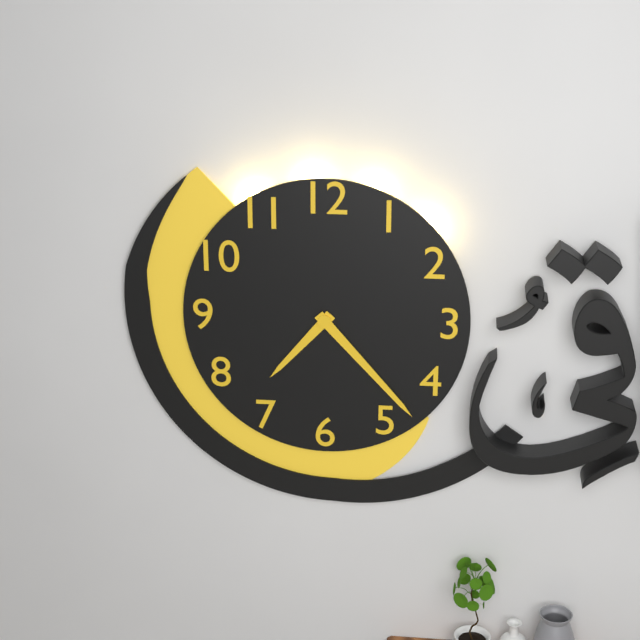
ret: {"hour": 7, "minute": 23}
